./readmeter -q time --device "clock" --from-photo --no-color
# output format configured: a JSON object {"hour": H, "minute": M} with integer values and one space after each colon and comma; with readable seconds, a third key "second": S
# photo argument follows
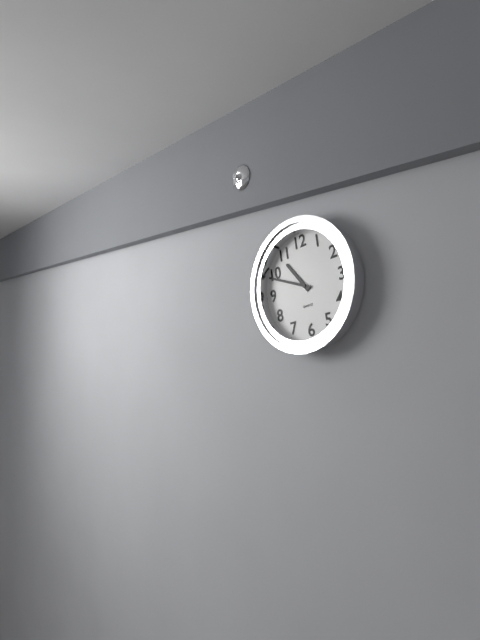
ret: {"hour": 10, "minute": 49}
